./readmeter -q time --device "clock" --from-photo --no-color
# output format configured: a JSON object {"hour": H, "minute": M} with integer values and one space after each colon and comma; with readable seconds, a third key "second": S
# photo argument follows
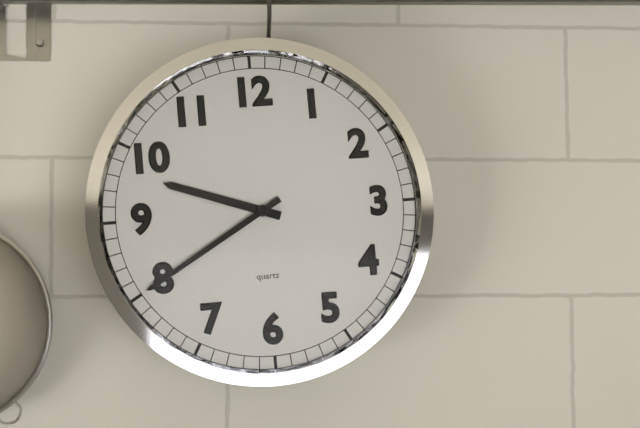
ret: {"hour": 9, "minute": 40}
